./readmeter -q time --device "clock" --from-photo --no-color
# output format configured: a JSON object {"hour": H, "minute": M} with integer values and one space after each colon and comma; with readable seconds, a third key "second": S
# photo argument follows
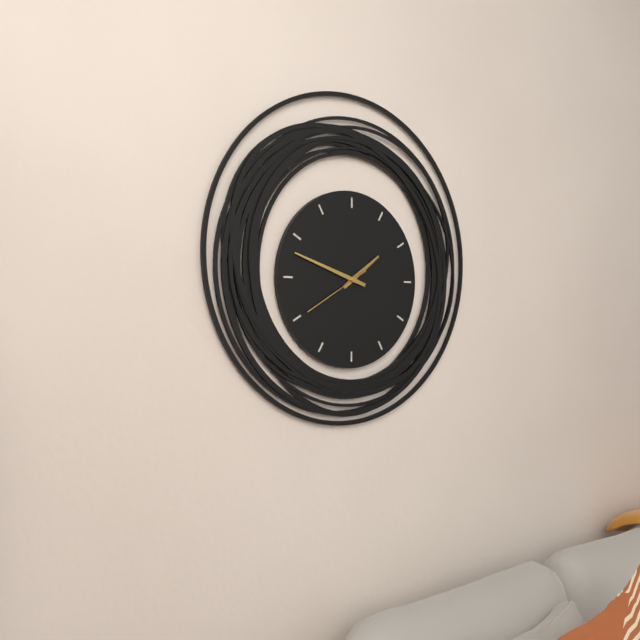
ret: {"hour": 1, "minute": 48, "second": 40}
